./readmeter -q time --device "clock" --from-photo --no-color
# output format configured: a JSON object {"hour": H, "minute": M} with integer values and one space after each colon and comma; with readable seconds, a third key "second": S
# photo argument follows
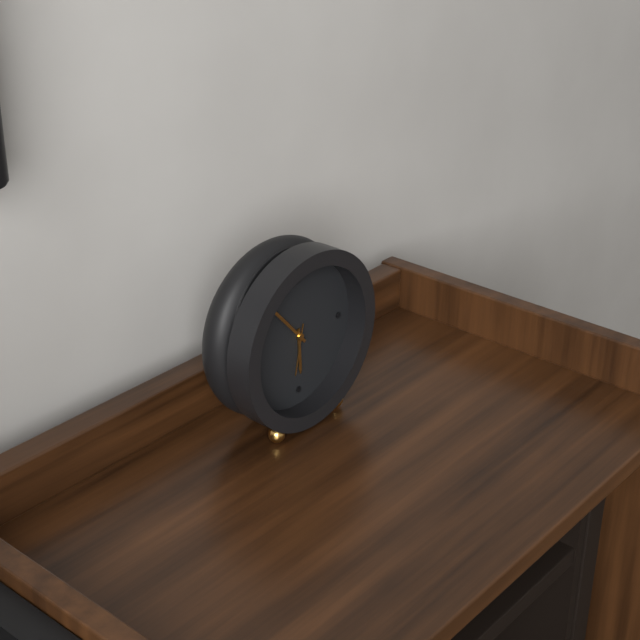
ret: {"hour": 5, "minute": 53}
